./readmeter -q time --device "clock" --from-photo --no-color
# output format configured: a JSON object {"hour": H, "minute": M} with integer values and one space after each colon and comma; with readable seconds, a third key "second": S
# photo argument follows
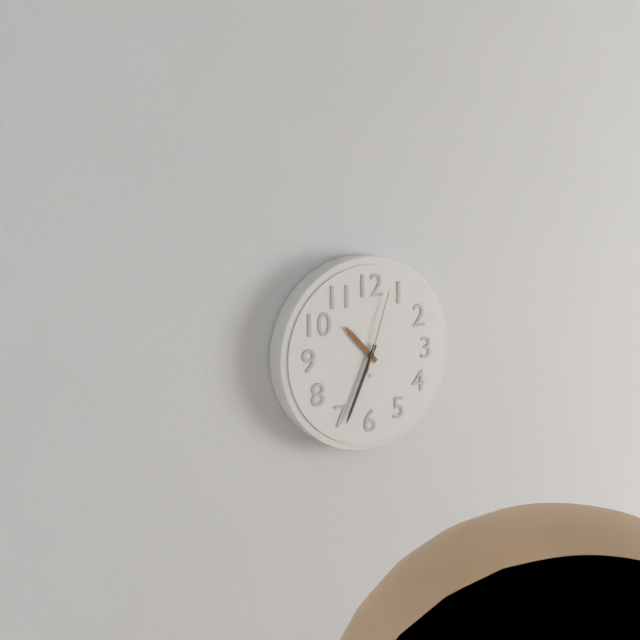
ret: {"hour": 10, "minute": 34, "second": 3}
